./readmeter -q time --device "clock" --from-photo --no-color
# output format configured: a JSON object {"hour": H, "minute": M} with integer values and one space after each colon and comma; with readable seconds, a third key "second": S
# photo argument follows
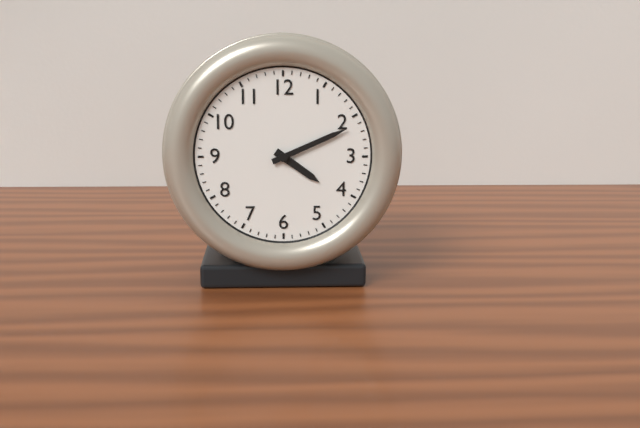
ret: {"hour": 4, "minute": 11}
